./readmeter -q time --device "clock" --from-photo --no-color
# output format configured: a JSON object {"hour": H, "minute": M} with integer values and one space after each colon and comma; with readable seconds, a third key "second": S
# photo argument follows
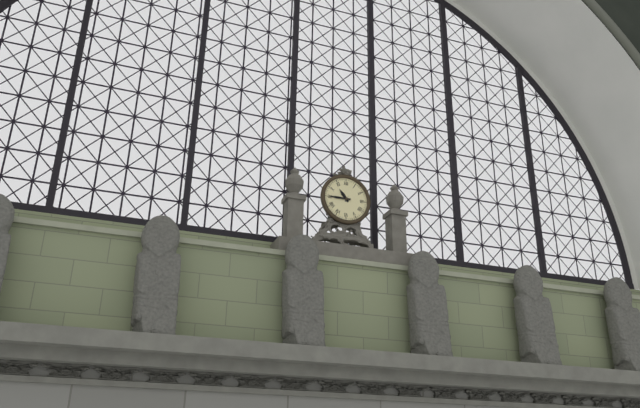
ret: {"hour": 10, "minute": 45}
